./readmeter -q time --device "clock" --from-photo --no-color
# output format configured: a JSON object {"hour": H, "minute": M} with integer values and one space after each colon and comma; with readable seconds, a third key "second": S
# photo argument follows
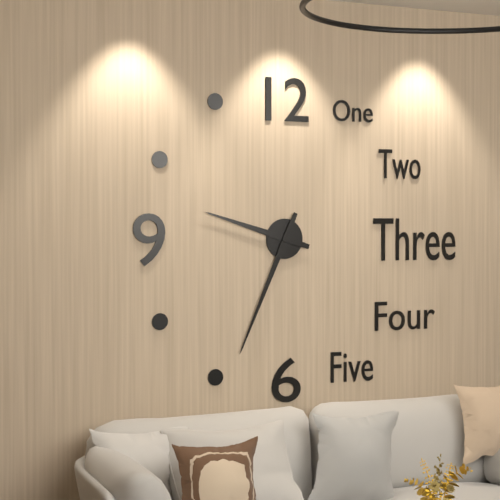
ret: {"hour": 9, "minute": 34}
